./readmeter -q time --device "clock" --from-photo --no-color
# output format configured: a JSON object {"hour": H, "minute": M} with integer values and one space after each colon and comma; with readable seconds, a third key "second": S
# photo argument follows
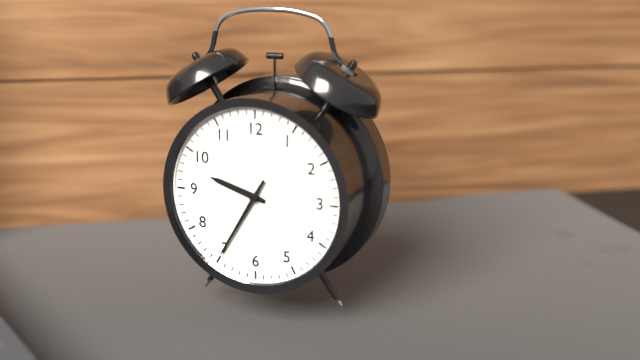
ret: {"hour": 9, "minute": 35}
